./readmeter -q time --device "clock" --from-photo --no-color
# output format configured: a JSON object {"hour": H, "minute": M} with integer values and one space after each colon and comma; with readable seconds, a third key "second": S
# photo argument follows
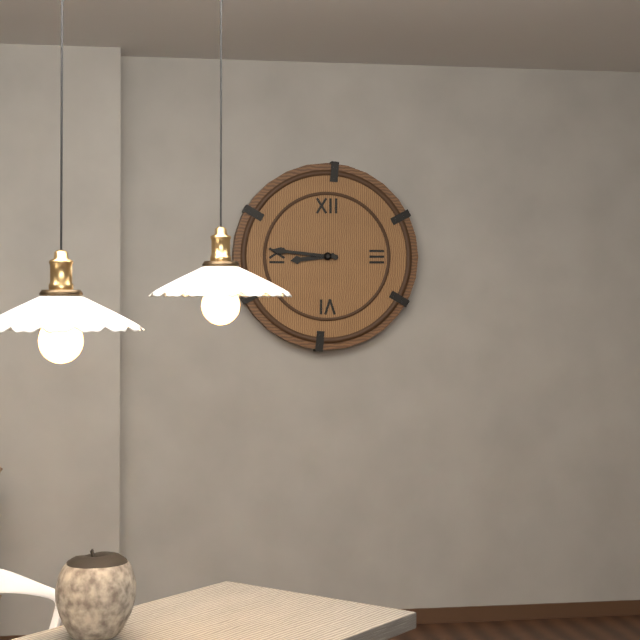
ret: {"hour": 8, "minute": 46}
